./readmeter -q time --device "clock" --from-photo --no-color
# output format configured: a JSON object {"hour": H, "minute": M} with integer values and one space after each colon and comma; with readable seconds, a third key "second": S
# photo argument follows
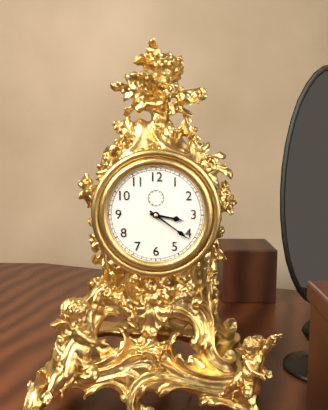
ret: {"hour": 3, "minute": 21}
